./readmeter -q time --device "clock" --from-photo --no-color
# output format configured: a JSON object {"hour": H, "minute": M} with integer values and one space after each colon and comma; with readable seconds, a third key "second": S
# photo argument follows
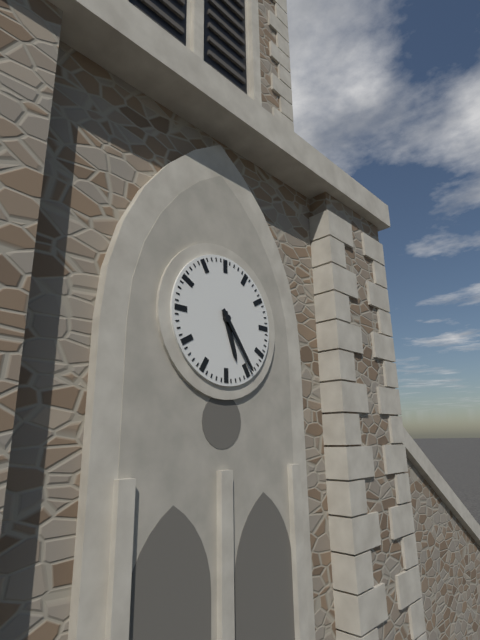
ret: {"hour": 5, "minute": 24}
